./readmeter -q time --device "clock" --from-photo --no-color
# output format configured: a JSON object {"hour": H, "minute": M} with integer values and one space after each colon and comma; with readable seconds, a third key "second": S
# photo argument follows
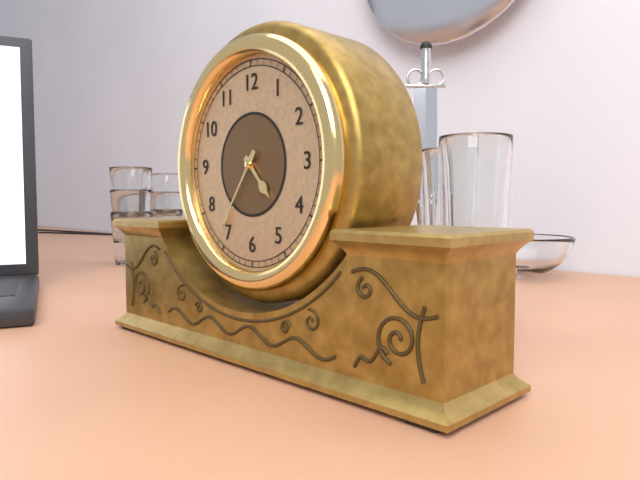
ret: {"hour": 4, "minute": 36}
